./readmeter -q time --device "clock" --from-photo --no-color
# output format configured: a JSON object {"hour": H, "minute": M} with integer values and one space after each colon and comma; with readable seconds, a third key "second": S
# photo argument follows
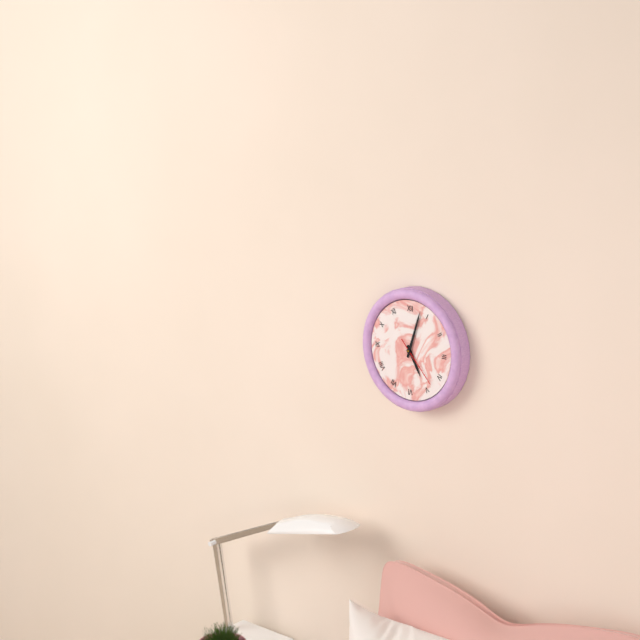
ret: {"hour": 5, "minute": 3}
